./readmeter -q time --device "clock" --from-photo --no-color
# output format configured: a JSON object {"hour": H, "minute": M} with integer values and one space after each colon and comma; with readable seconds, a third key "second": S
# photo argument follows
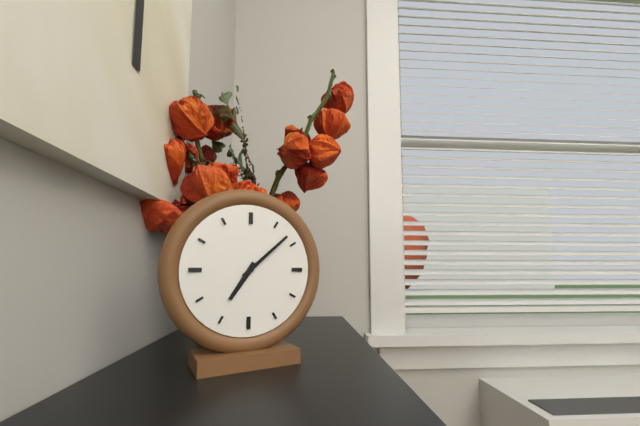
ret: {"hour": 7, "minute": 8}
